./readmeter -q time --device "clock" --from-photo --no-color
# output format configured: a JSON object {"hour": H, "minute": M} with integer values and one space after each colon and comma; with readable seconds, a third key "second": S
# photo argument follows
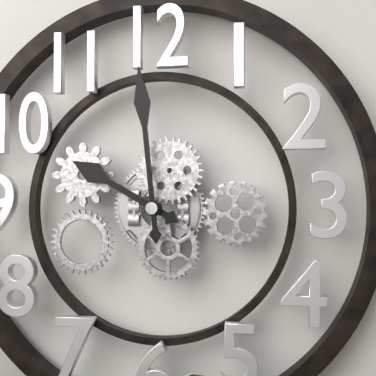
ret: {"hour": 9, "minute": 59}
